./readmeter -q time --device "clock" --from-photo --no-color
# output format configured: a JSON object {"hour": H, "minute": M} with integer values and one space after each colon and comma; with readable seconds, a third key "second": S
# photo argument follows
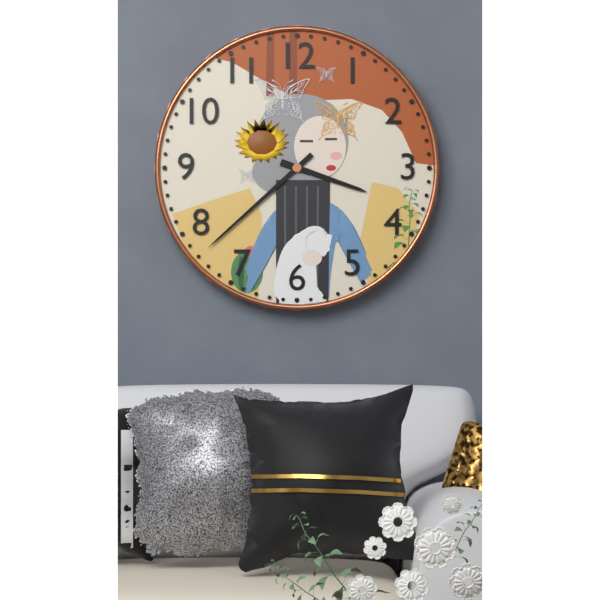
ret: {"hour": 3, "minute": 38}
